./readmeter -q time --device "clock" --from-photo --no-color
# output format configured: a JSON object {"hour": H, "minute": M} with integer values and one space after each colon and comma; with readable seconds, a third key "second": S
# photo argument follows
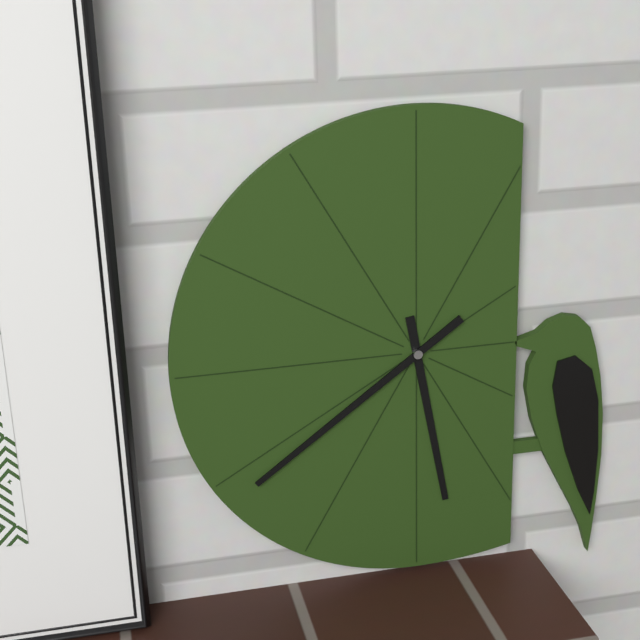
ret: {"hour": 5, "minute": 39}
